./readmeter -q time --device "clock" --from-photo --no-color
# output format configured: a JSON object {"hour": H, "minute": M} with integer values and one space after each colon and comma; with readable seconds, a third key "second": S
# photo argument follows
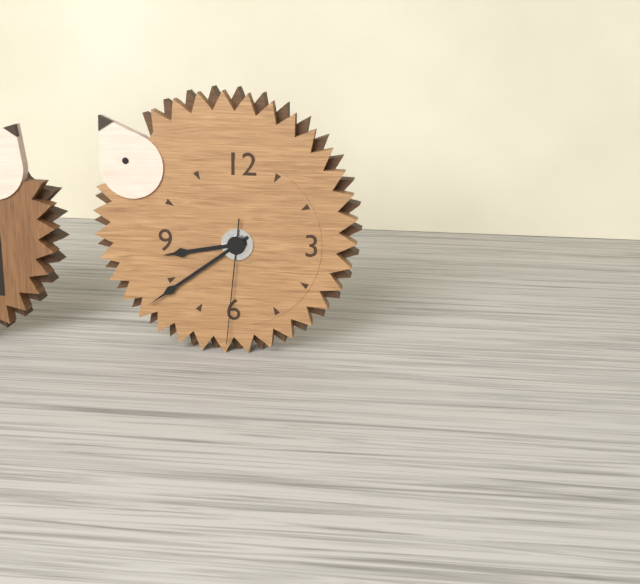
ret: {"hour": 8, "minute": 39, "second": 31}
